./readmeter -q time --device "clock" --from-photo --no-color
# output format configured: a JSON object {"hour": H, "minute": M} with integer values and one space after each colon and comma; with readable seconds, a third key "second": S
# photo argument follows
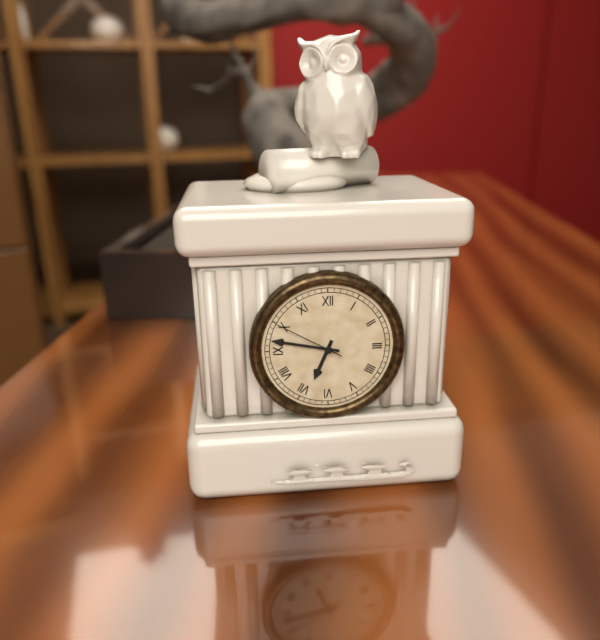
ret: {"hour": 6, "minute": 47, "second": 50}
